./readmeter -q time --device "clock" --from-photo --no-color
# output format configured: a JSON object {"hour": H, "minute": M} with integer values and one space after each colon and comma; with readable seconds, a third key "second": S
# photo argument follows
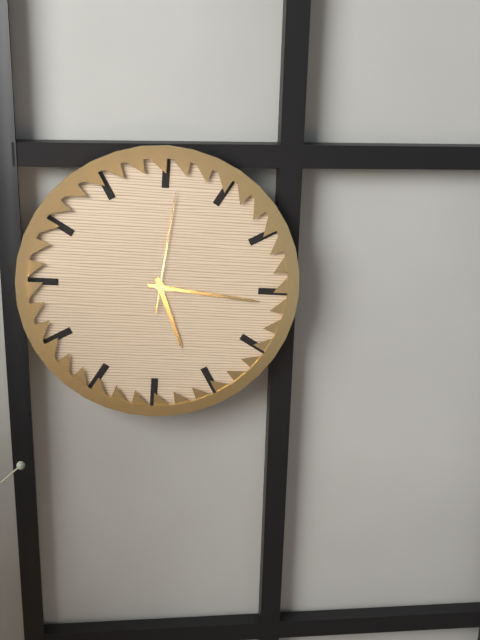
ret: {"hour": 5, "minute": 16, "second": 1}
